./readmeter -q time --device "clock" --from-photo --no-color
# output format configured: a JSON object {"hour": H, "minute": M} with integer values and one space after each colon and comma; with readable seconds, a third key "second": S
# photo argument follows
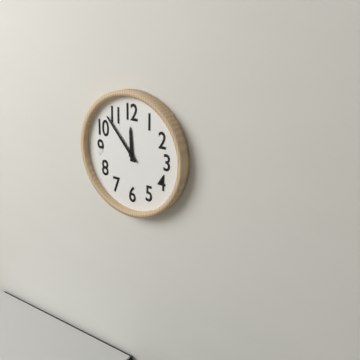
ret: {"hour": 11, "minute": 53}
